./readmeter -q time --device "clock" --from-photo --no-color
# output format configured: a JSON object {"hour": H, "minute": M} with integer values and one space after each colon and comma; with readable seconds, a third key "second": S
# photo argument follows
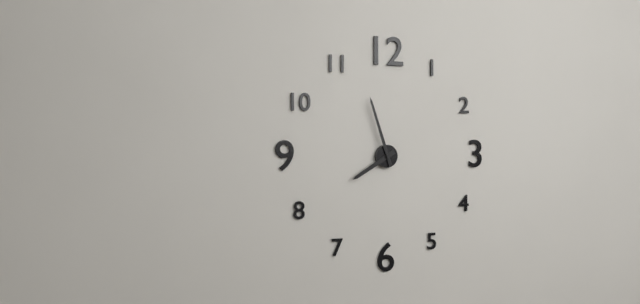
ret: {"hour": 7, "minute": 57}
